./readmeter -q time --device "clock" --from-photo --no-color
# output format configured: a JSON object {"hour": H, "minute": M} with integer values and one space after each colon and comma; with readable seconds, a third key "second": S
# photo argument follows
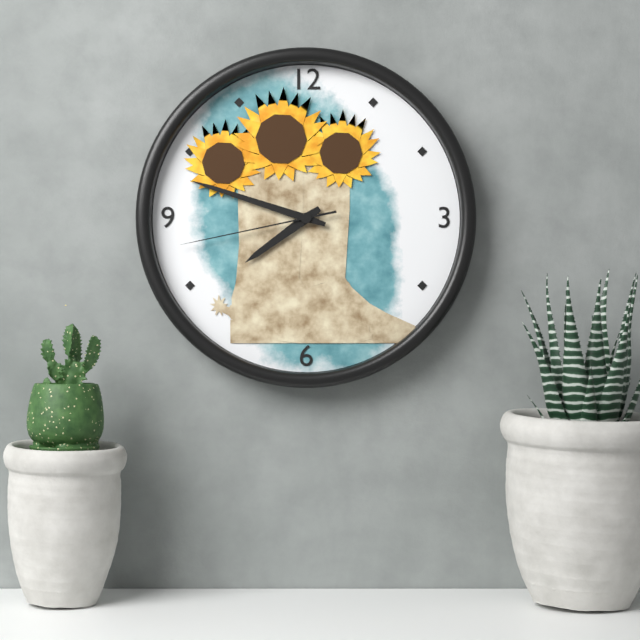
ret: {"hour": 7, "minute": 48, "second": 43}
